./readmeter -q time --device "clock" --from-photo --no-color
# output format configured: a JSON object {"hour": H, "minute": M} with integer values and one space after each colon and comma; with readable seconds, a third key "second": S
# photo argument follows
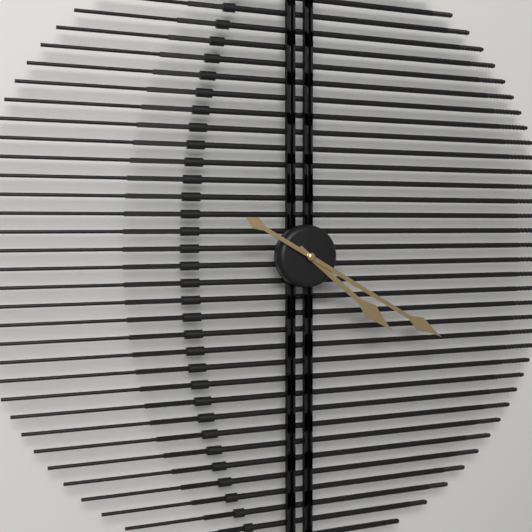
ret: {"hour": 4, "minute": 20}
